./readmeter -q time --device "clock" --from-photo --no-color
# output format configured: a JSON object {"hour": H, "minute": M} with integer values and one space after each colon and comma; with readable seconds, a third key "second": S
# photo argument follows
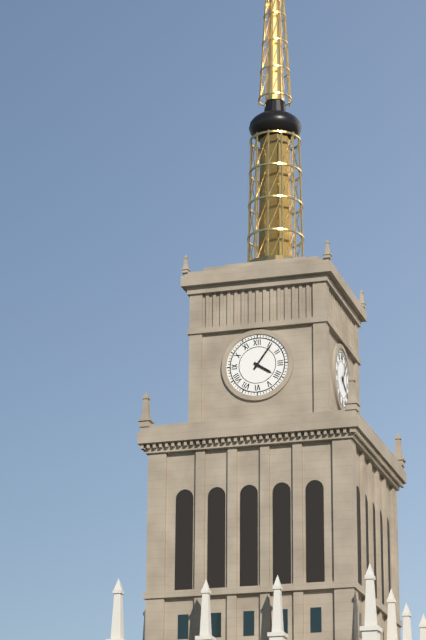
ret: {"hour": 4, "minute": 6}
